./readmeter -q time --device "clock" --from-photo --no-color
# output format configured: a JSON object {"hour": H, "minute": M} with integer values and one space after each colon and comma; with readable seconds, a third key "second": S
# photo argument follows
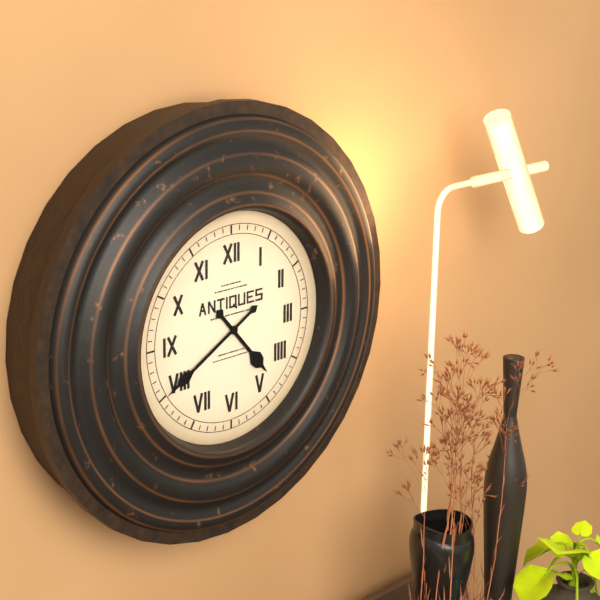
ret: {"hour": 4, "minute": 40}
